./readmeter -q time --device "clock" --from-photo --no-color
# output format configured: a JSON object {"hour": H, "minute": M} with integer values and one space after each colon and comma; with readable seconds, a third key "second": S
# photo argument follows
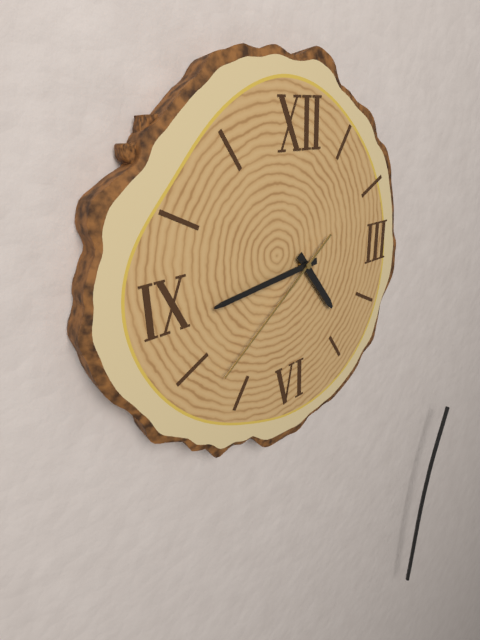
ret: {"hour": 4, "minute": 44, "second": 39}
